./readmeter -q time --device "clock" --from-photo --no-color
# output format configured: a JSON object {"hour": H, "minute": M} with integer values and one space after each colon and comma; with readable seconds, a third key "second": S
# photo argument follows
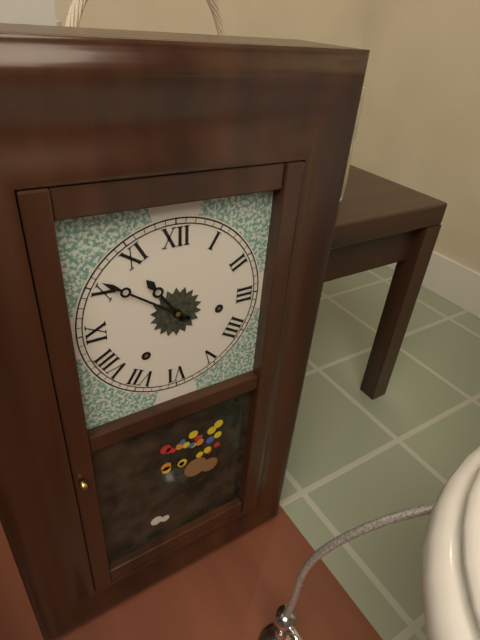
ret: {"hour": 10, "minute": 51}
